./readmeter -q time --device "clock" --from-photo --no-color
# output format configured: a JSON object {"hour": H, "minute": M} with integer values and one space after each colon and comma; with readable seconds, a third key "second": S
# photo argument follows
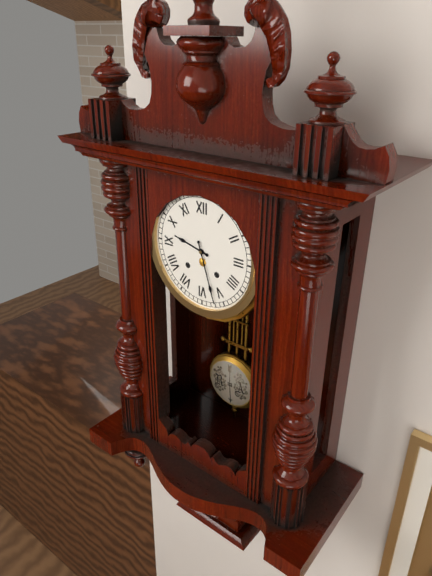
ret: {"hour": 9, "minute": 27}
